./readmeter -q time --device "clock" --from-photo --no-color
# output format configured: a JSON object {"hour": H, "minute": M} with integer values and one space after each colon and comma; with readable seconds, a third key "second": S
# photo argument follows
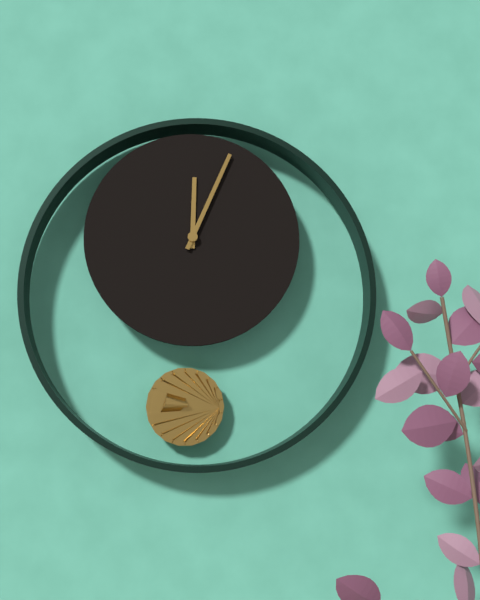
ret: {"hour": 12, "minute": 4}
